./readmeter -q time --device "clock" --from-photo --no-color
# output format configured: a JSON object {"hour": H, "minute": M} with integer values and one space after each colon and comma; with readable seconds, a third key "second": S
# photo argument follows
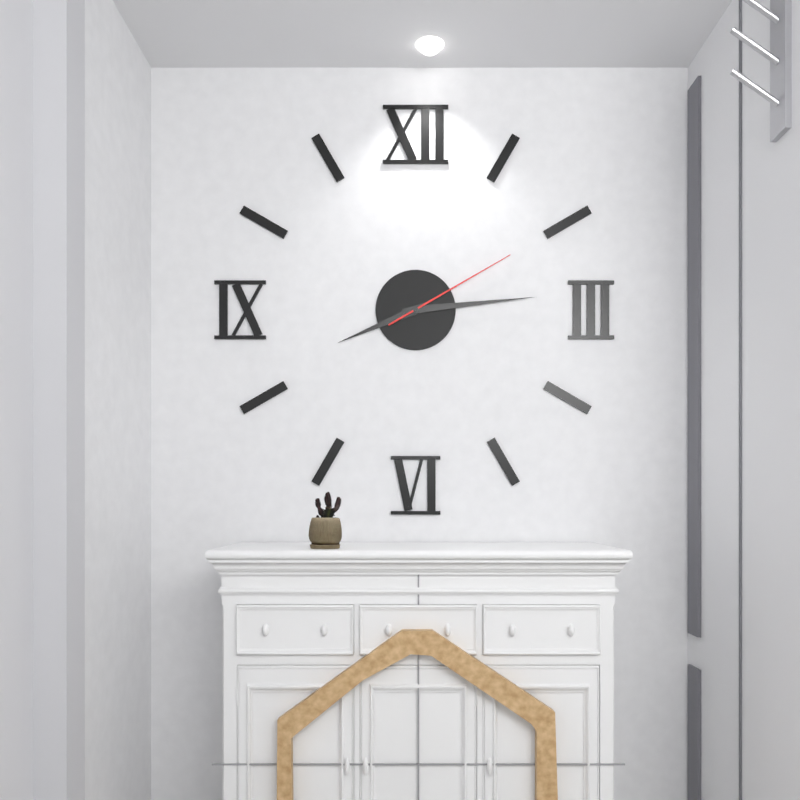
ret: {"hour": 8, "minute": 14, "second": 10}
